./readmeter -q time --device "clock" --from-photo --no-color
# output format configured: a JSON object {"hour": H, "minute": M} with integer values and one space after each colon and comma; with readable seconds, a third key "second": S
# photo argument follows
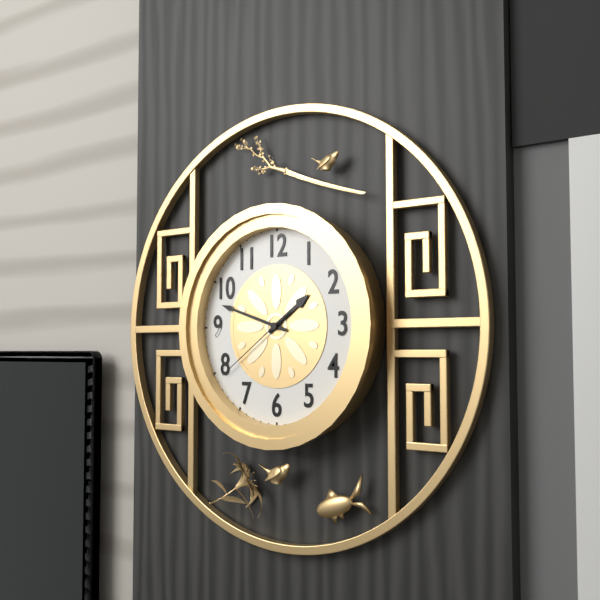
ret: {"hour": 1, "minute": 48, "second": 39}
